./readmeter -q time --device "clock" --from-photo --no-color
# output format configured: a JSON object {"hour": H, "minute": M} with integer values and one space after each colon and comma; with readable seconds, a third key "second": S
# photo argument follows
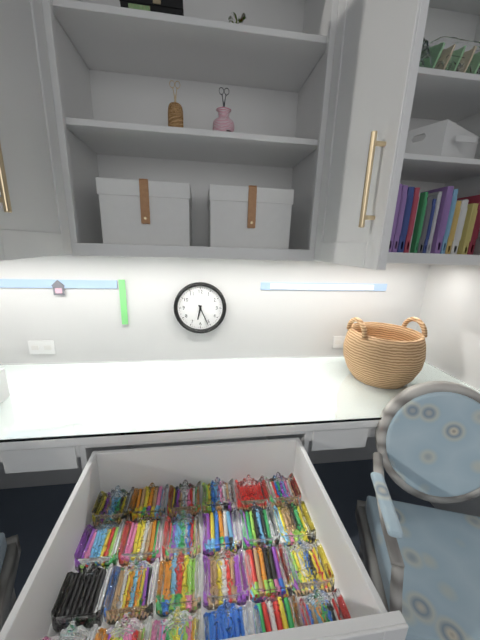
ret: {"hour": 6, "minute": 26}
